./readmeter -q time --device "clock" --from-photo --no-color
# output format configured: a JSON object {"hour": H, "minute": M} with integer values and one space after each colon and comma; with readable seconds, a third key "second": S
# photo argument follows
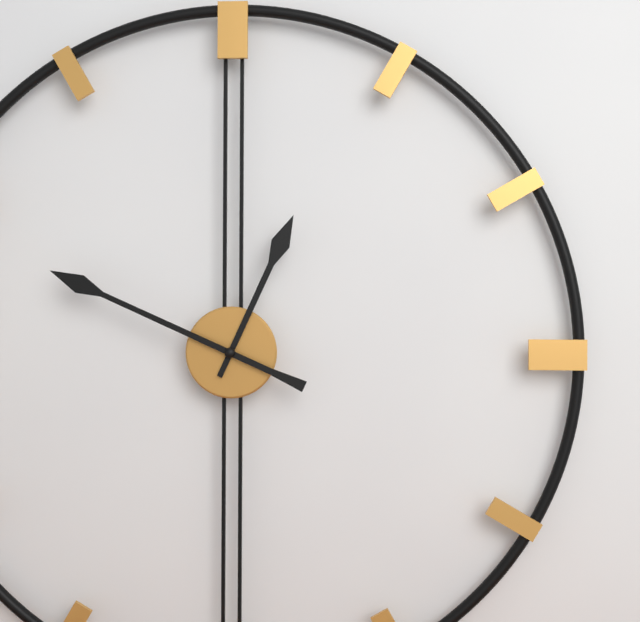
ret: {"hour": 12, "minute": 49}
